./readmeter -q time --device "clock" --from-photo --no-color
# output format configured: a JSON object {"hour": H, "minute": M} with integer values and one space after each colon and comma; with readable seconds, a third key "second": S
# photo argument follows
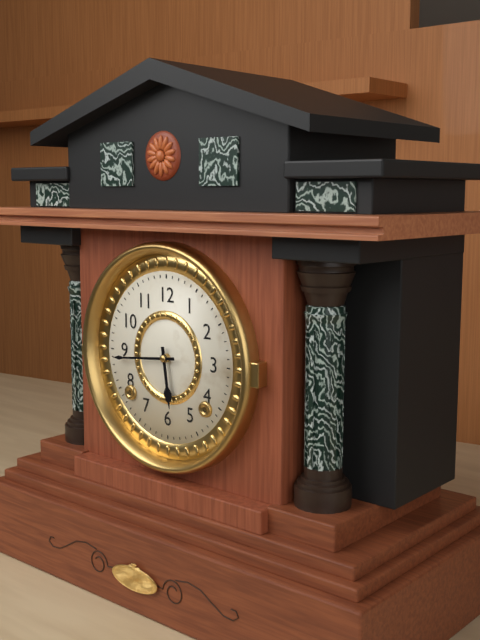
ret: {"hour": 5, "minute": 44}
